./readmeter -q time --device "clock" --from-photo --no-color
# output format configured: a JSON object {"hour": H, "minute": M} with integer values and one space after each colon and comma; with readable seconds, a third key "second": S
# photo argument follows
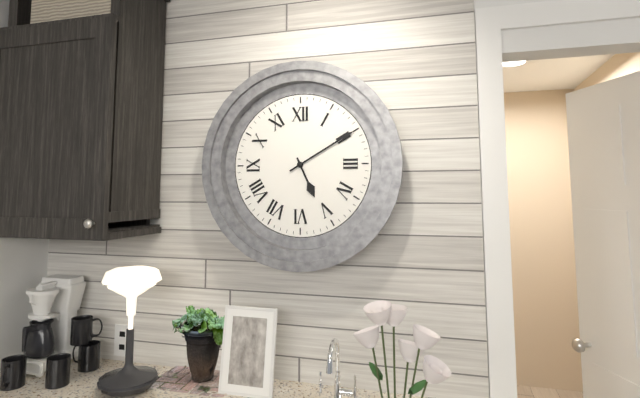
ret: {"hour": 5, "minute": 10}
